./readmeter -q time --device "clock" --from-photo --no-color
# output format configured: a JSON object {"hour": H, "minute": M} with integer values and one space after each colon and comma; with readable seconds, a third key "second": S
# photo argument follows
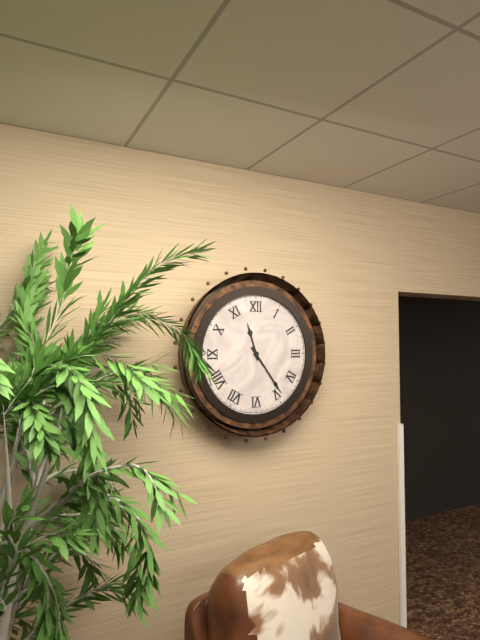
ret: {"hour": 11, "minute": 24}
